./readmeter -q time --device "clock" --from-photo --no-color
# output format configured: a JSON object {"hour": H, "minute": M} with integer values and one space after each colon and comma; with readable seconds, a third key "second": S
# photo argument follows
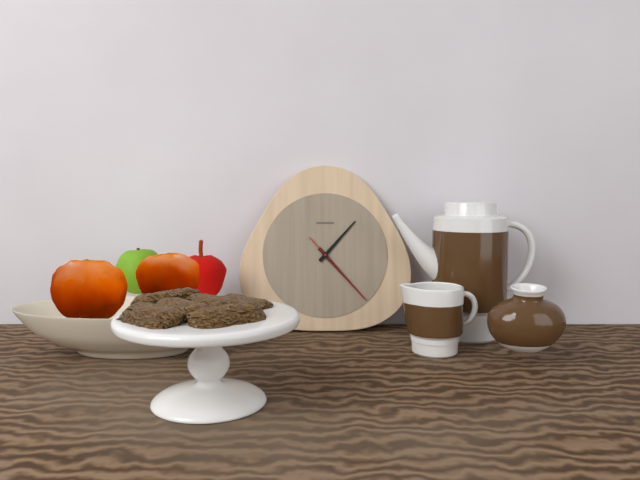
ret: {"hour": 1, "minute": 23, "second": 23}
